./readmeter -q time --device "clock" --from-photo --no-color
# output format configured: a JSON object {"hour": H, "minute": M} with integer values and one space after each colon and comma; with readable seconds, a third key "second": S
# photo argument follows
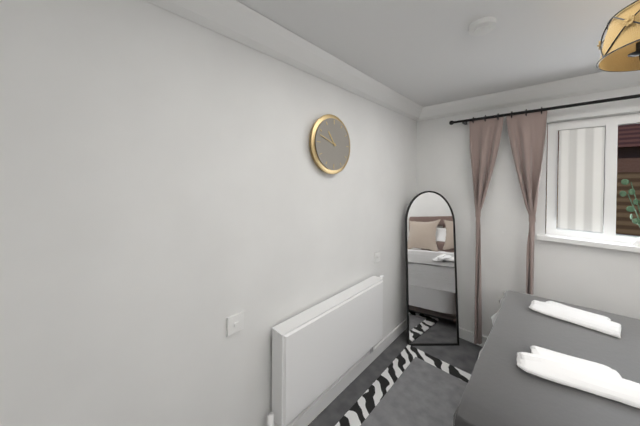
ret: {"hour": 10, "minute": 48}
